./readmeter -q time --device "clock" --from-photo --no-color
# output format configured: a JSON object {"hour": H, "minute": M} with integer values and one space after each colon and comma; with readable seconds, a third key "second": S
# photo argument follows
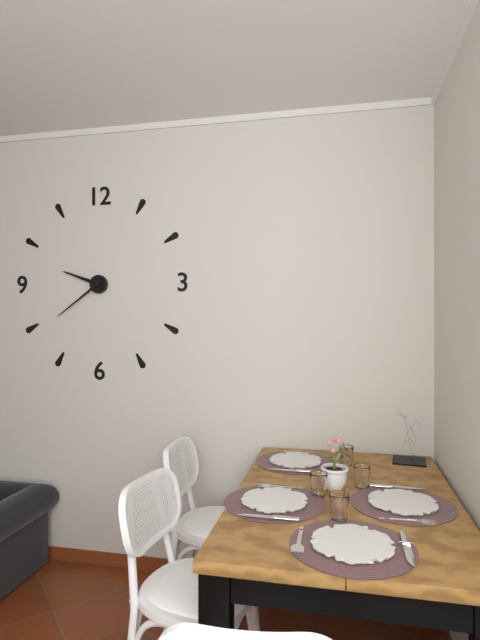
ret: {"hour": 9, "minute": 39}
